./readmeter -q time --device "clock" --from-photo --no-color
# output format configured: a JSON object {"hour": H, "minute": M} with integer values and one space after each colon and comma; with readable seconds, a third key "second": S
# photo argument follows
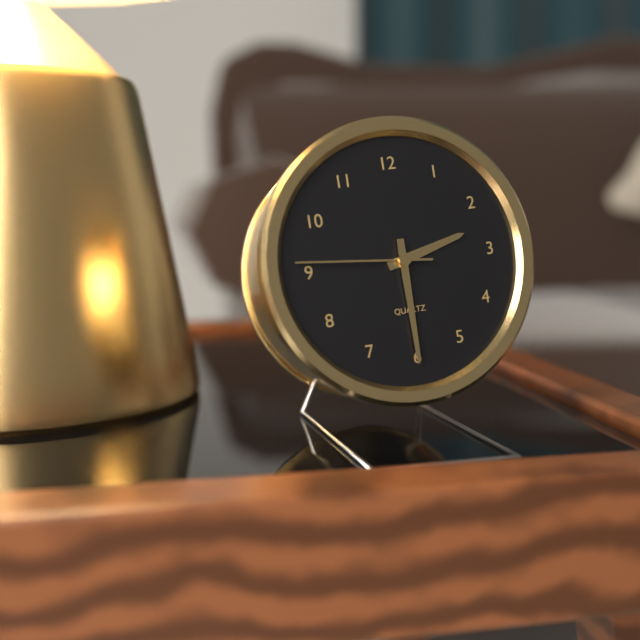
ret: {"hour": 2, "minute": 30, "second": 46}
